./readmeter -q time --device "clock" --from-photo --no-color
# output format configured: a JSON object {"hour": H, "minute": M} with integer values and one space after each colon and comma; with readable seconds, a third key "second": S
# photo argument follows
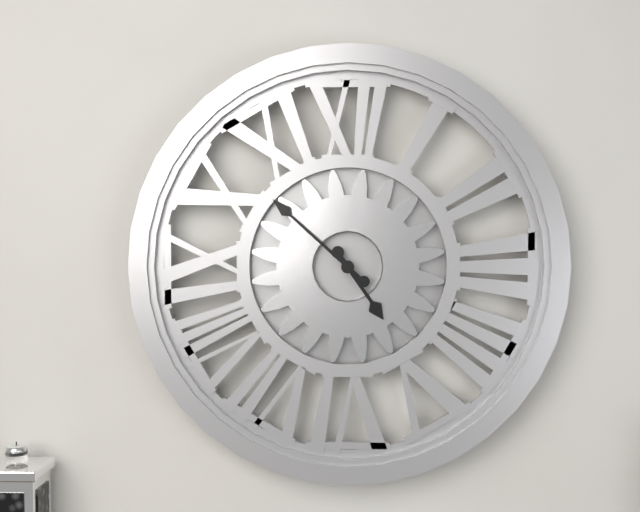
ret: {"hour": 4, "minute": 52}
